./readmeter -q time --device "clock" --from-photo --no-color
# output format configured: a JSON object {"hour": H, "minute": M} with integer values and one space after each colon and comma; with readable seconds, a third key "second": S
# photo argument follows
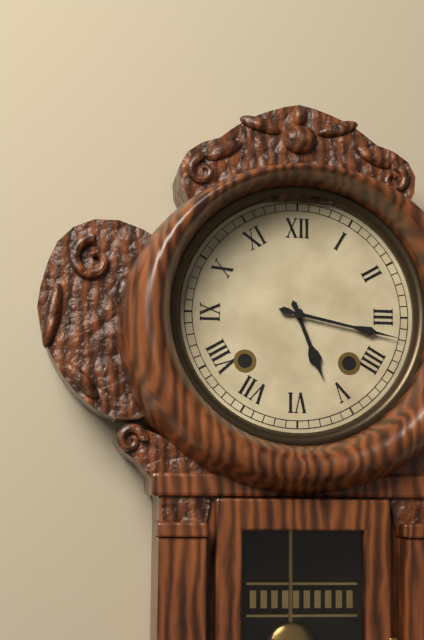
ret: {"hour": 5, "minute": 17}
